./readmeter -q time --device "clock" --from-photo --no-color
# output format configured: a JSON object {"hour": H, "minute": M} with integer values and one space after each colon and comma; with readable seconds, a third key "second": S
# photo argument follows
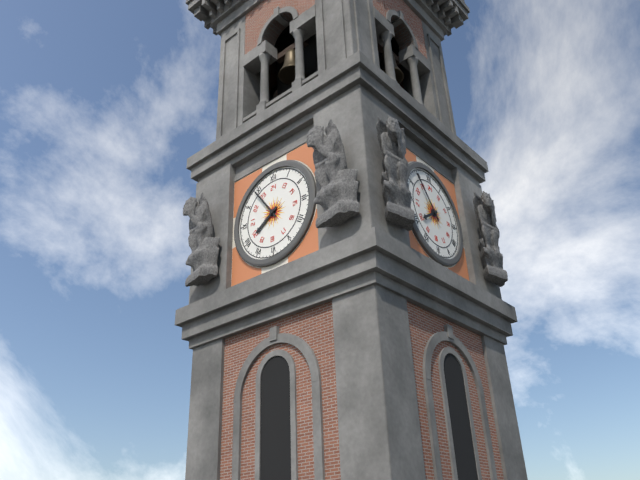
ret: {"hour": 7, "minute": 54}
